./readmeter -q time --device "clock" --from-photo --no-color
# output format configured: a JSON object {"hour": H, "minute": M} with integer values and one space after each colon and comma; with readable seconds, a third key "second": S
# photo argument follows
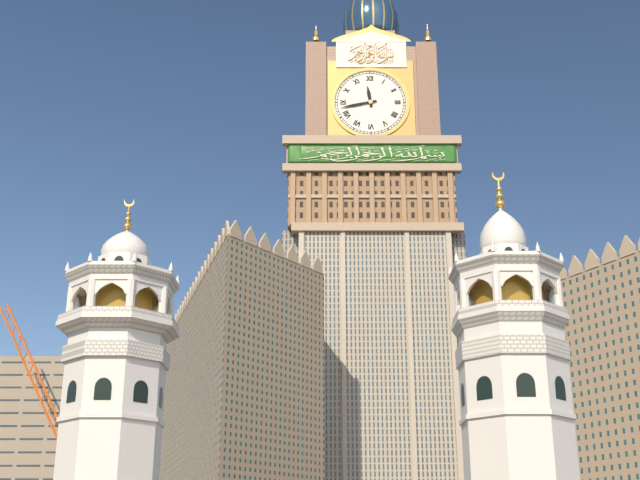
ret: {"hour": 11, "minute": 43}
